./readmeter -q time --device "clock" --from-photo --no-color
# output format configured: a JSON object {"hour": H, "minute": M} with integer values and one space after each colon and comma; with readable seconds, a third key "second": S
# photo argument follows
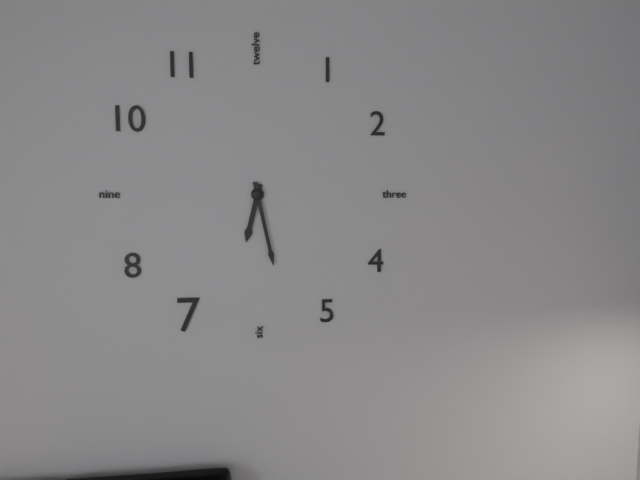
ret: {"hour": 6, "minute": 28}
